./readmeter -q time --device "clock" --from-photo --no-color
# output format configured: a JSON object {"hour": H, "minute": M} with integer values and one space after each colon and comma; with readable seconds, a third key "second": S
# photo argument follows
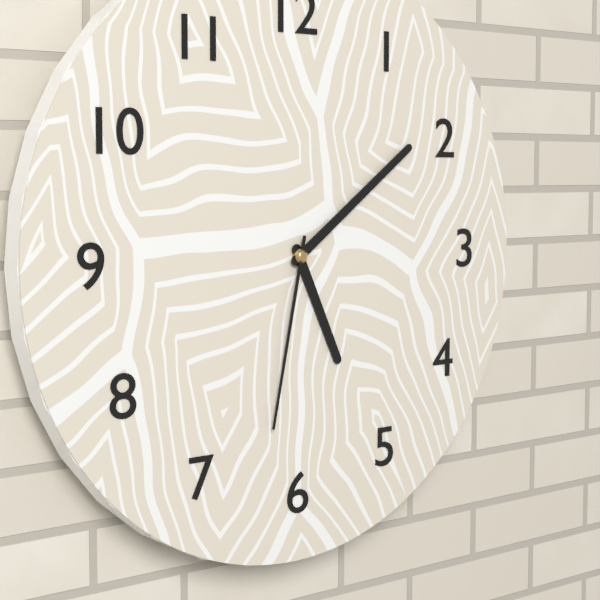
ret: {"hour": 5, "minute": 9, "second": 32}
